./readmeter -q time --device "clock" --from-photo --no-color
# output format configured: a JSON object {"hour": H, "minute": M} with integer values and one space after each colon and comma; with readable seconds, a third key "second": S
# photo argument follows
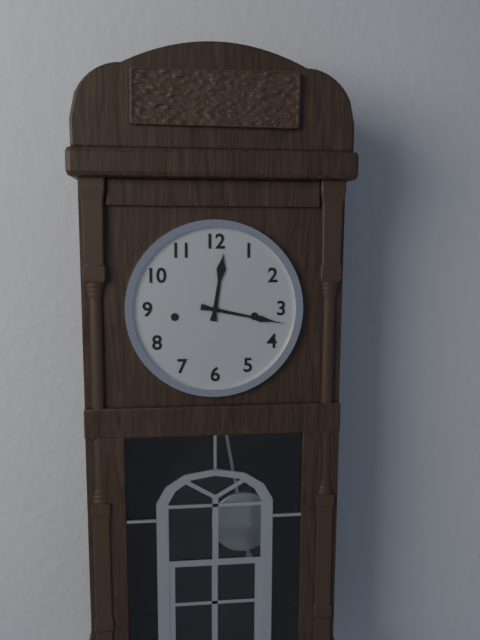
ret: {"hour": 12, "minute": 17}
